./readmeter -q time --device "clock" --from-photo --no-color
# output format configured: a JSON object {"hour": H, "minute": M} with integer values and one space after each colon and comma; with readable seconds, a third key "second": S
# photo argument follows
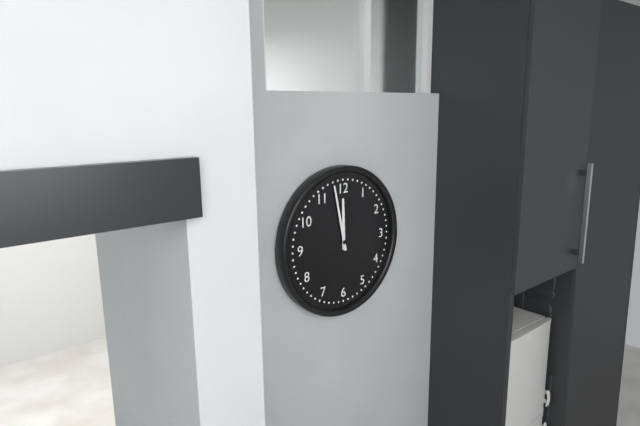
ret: {"hour": 11, "minute": 58}
